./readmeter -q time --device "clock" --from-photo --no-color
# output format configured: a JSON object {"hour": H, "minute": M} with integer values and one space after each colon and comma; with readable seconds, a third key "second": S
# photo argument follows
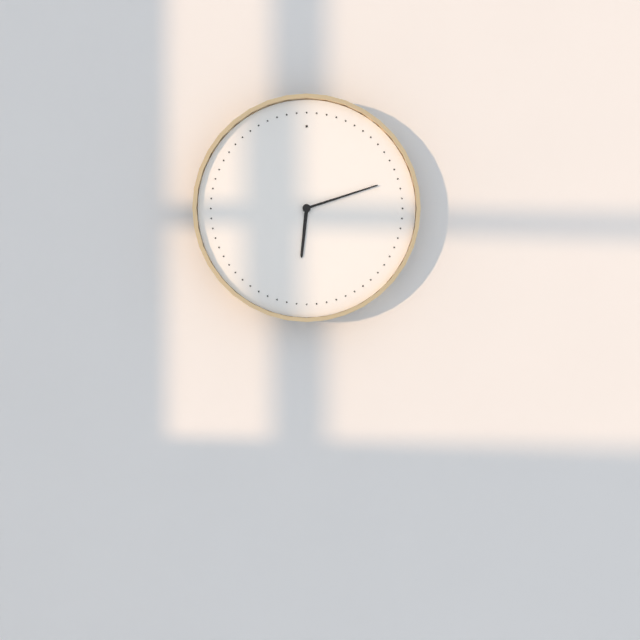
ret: {"hour": 6, "minute": 12}
